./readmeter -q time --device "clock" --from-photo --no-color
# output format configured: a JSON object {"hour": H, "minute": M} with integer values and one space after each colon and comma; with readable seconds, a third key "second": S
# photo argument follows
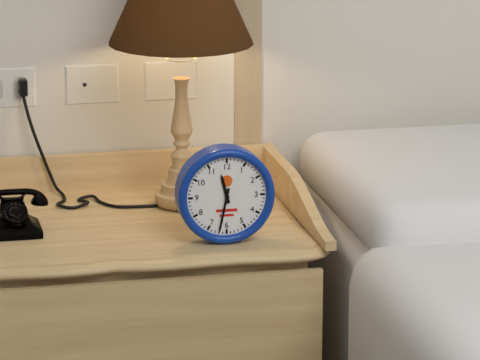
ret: {"hour": 11, "minute": 32}
